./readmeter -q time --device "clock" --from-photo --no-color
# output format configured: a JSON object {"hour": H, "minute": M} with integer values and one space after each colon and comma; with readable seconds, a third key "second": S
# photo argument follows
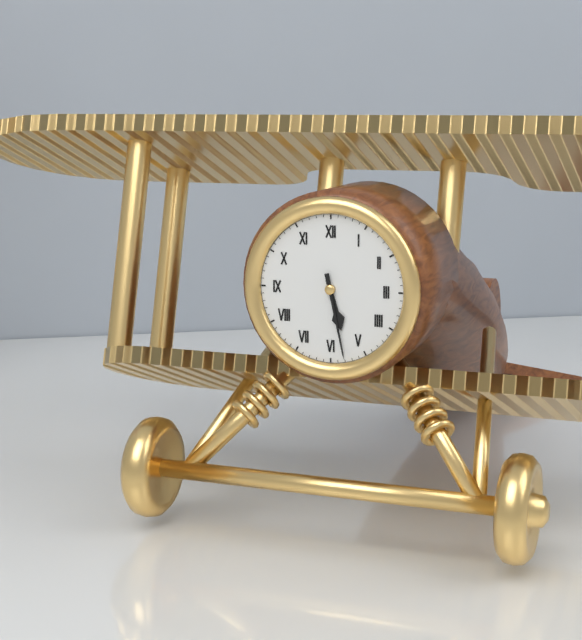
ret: {"hour": 5, "minute": 28}
